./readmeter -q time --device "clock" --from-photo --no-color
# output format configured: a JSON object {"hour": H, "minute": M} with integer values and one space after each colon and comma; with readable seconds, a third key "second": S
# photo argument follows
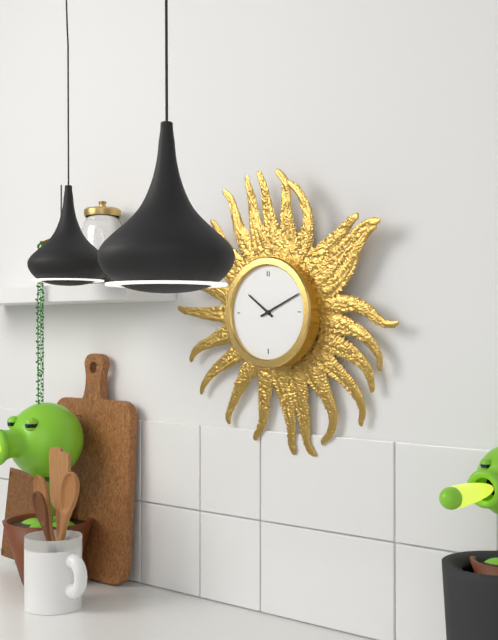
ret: {"hour": 10, "minute": 11}
